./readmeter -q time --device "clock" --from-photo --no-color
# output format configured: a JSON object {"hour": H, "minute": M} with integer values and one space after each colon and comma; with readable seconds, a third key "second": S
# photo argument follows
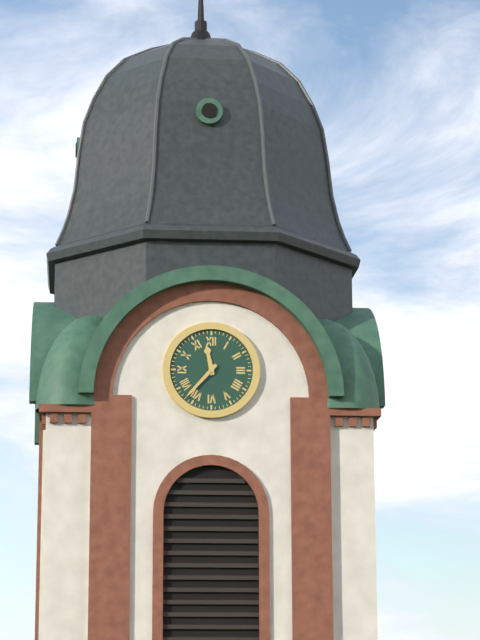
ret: {"hour": 11, "minute": 37}
